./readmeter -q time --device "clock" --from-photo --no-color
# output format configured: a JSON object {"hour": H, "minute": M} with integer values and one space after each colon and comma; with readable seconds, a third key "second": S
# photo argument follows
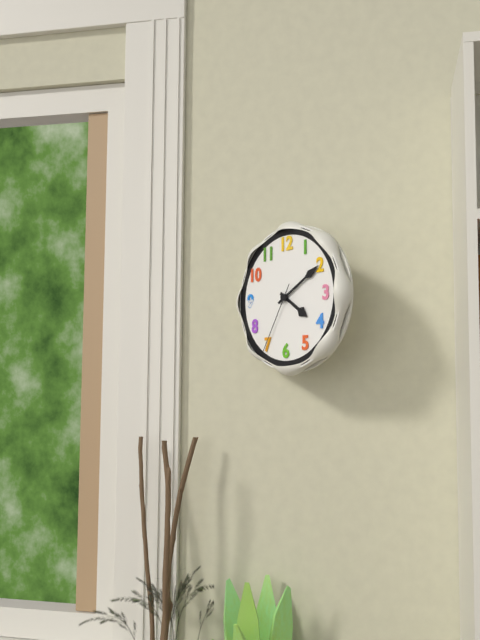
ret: {"hour": 4, "minute": 10, "second": 35}
